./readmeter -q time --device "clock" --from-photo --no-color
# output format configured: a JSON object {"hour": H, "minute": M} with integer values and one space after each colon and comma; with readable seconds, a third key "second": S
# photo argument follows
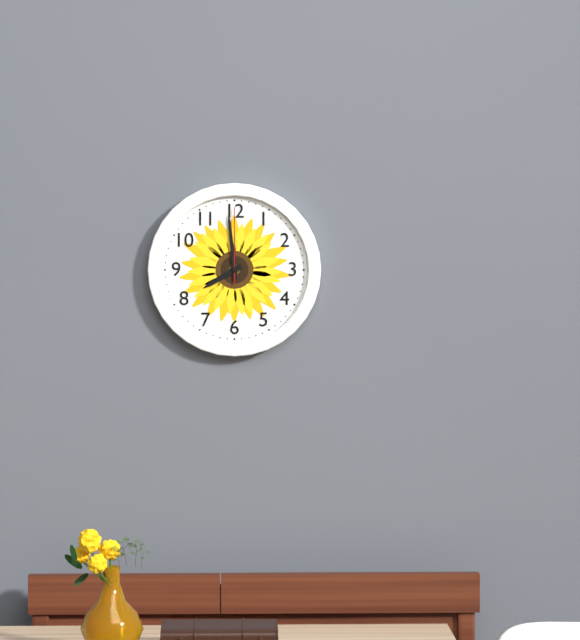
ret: {"hour": 7, "minute": 59, "second": 0}
